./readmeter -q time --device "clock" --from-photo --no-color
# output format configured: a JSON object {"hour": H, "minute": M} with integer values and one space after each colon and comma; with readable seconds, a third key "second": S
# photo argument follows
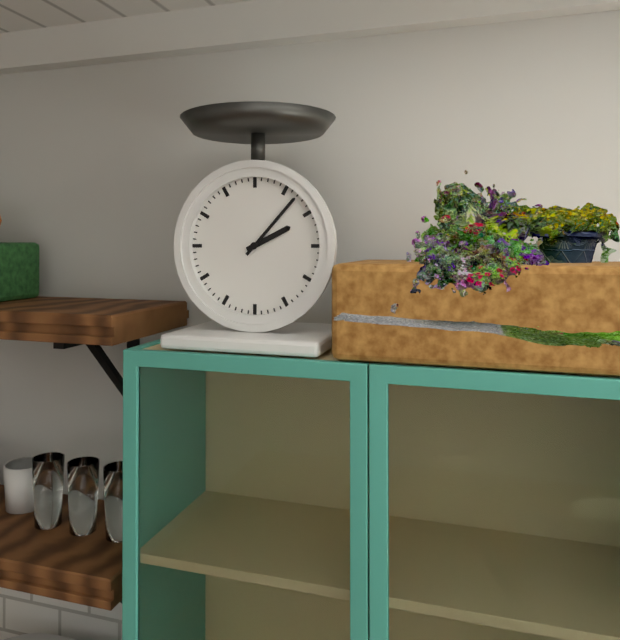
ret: {"hour": 2, "minute": 7}
